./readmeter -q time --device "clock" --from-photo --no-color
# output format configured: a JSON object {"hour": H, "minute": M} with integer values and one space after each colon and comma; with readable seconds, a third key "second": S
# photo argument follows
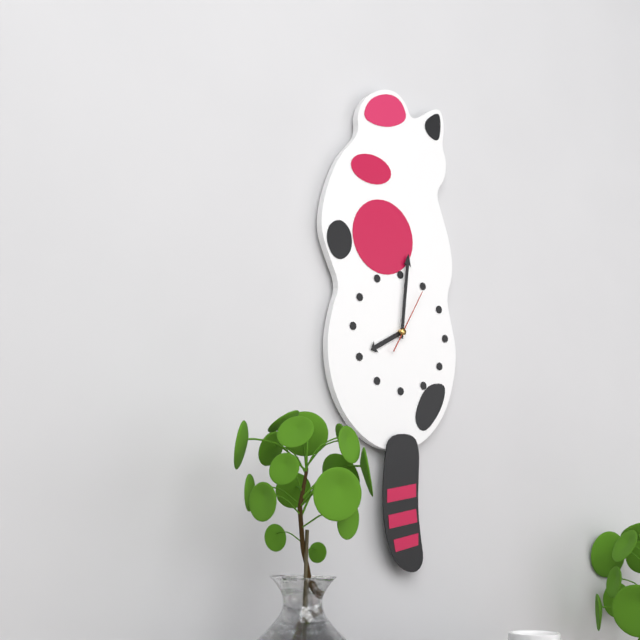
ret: {"hour": 8, "minute": 1, "second": 5}
